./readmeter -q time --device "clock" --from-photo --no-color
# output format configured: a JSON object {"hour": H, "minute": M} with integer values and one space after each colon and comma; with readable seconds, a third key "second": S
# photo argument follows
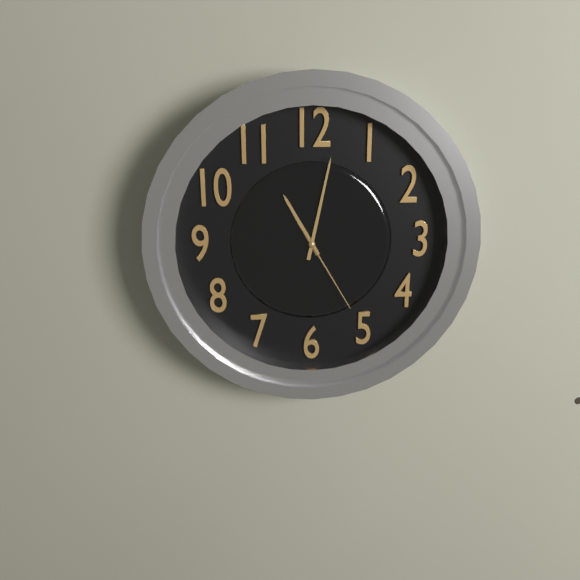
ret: {"hour": 11, "minute": 2, "second": 25}
